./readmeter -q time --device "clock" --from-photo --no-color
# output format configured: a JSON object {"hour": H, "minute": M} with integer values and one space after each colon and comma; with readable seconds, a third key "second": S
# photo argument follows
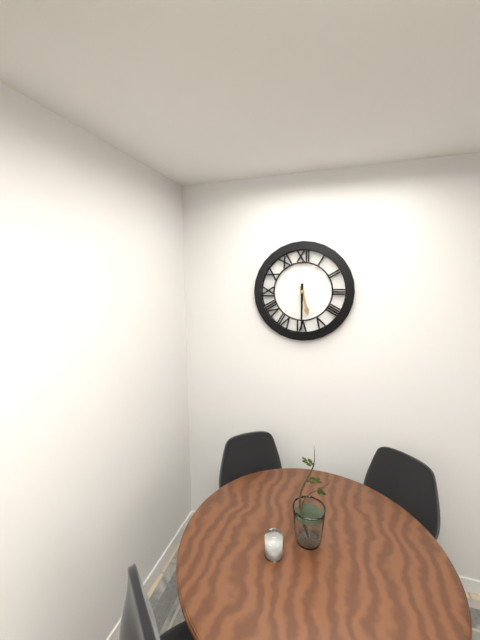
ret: {"hour": 5, "minute": 30}
